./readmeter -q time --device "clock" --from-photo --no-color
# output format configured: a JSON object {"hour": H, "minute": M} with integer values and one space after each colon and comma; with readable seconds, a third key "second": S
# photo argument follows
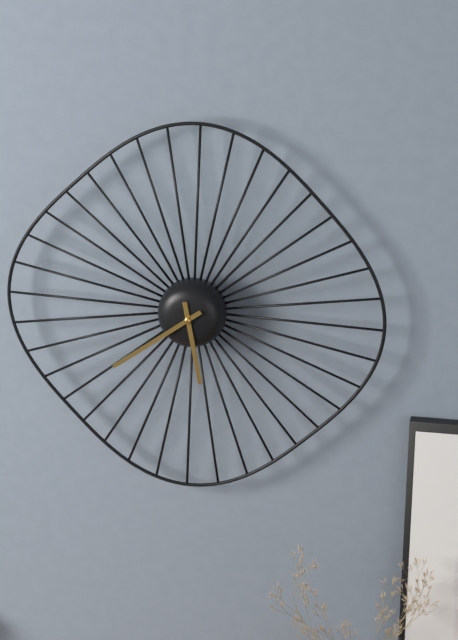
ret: {"hour": 5, "minute": 39}
